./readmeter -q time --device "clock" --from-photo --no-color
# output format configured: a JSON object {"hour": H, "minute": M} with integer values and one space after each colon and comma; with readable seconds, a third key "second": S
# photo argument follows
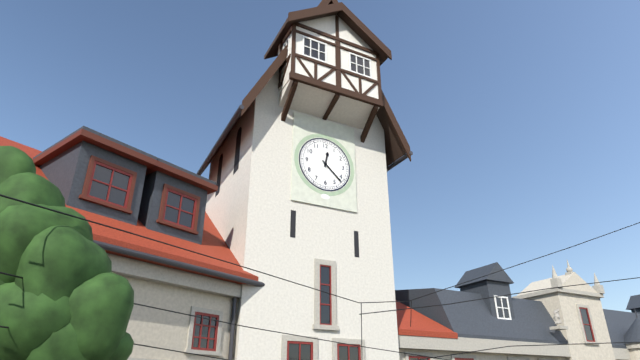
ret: {"hour": 12, "minute": 22}
